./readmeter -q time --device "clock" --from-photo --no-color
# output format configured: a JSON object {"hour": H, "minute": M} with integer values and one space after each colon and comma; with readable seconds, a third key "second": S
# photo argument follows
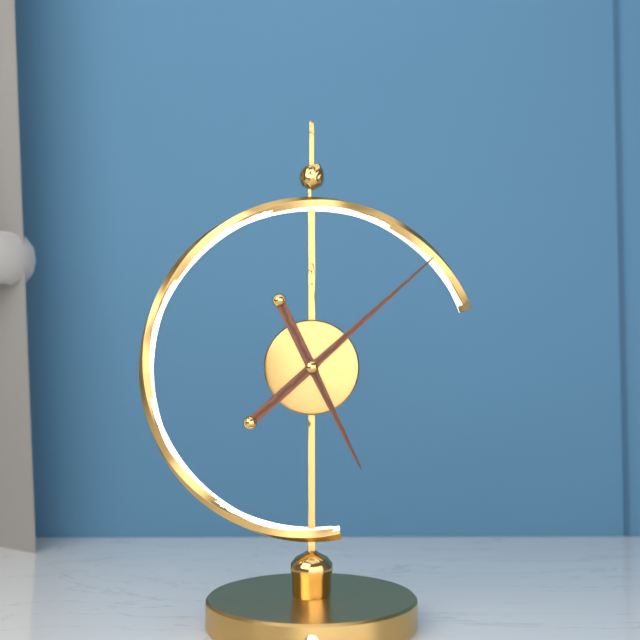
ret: {"hour": 5, "minute": 8}
